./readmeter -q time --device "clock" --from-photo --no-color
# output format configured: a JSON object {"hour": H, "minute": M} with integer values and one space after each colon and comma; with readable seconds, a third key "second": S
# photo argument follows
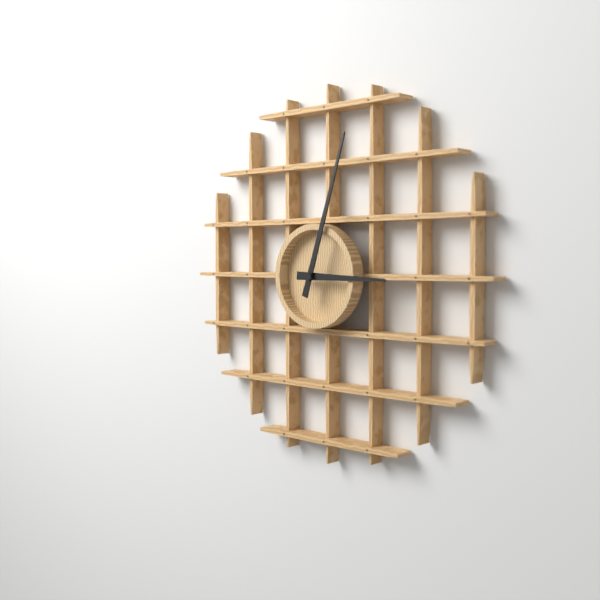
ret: {"hour": 3, "minute": 3}
